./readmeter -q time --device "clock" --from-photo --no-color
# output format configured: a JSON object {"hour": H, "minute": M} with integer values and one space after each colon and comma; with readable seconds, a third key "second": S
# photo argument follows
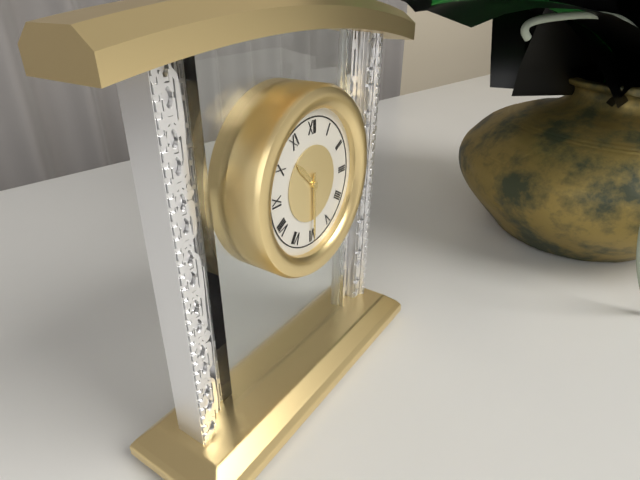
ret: {"hour": 10, "minute": 30}
